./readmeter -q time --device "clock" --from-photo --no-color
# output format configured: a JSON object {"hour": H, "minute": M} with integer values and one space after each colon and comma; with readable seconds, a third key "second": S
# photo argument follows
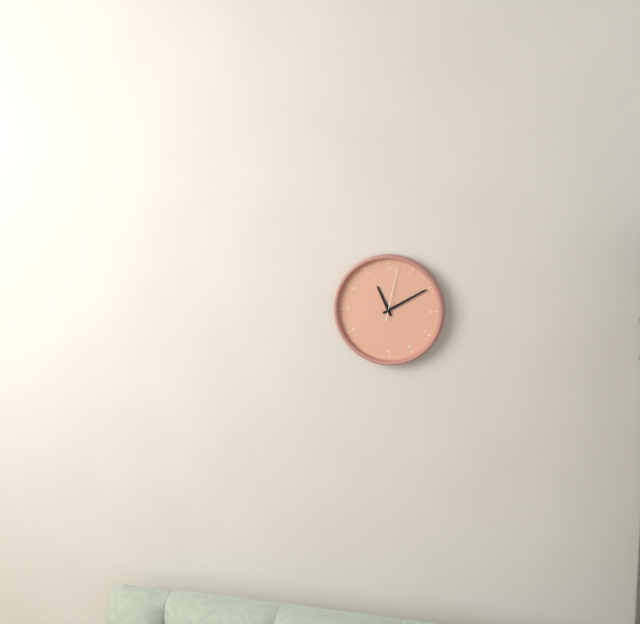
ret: {"hour": 11, "minute": 10, "second": 2}
